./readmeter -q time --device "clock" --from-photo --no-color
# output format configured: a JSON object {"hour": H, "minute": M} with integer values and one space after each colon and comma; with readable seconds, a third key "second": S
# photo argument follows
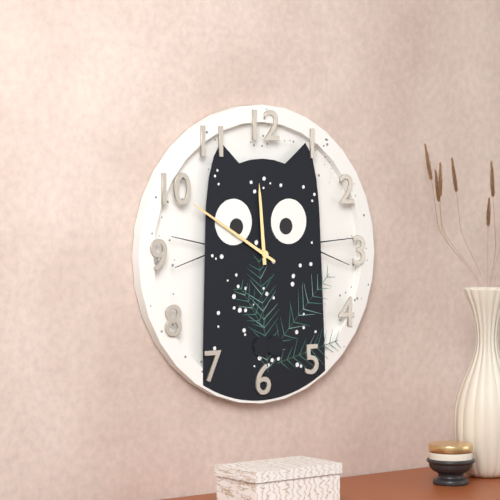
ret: {"hour": 11, "minute": 50}
